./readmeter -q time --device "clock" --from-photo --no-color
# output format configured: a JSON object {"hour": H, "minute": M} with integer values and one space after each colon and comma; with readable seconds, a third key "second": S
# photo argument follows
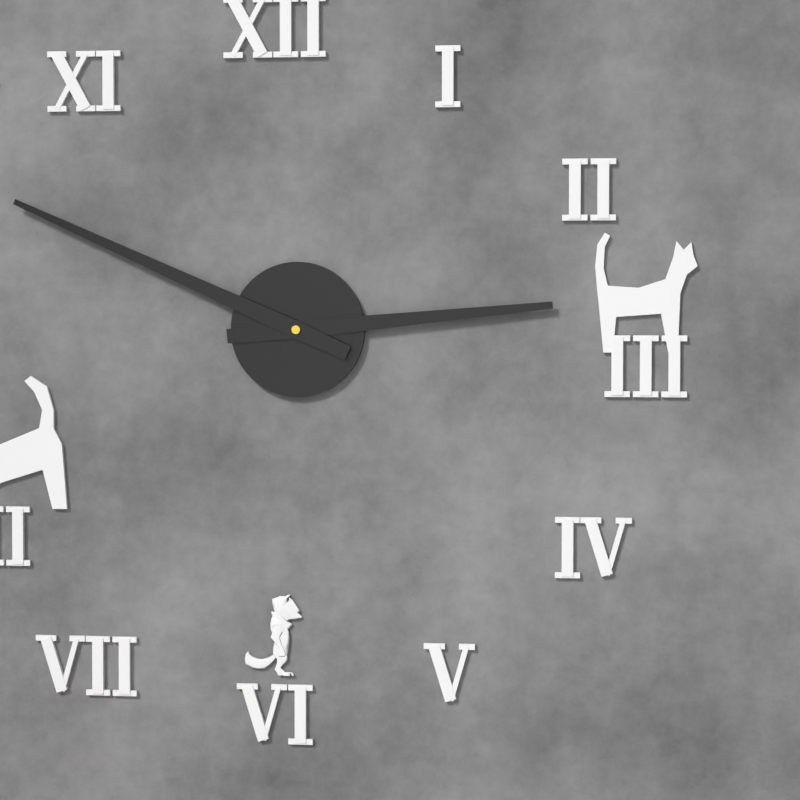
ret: {"hour": 2, "minute": 49}
